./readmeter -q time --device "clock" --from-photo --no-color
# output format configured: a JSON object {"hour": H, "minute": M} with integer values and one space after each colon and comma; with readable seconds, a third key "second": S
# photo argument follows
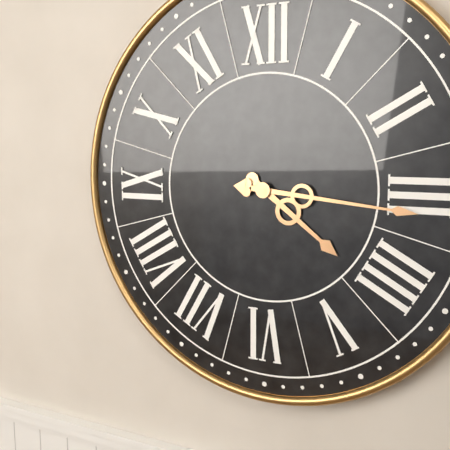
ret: {"hour": 4, "minute": 16}
